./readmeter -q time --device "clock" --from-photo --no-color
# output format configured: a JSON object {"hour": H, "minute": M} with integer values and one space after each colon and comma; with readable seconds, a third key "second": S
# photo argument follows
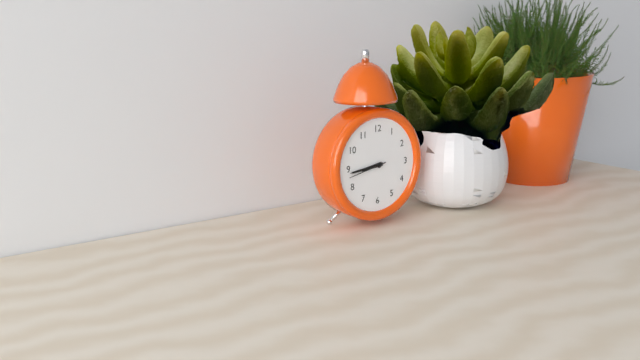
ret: {"hour": 8, "minute": 44}
